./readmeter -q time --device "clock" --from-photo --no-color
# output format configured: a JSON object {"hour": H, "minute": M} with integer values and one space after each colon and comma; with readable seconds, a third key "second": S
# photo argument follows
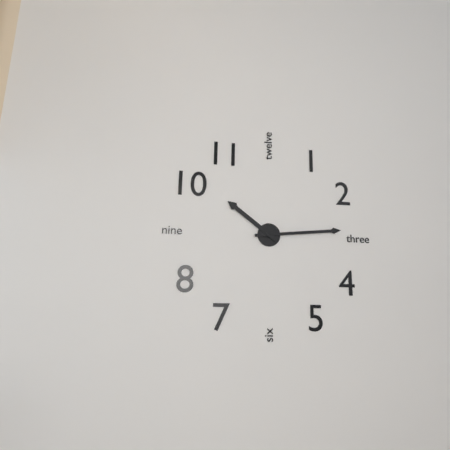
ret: {"hour": 10, "minute": 14}
